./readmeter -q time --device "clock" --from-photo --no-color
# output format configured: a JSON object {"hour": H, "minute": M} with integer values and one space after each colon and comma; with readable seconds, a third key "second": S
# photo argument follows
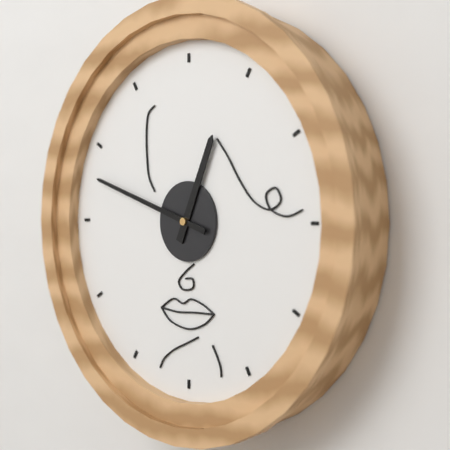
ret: {"hour": 12, "minute": 48}
